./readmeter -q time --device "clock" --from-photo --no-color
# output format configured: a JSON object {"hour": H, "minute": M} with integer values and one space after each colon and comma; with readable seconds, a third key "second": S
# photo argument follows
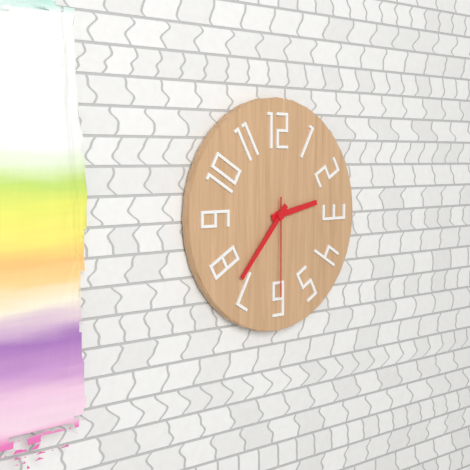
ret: {"hour": 2, "minute": 37, "second": 30}
